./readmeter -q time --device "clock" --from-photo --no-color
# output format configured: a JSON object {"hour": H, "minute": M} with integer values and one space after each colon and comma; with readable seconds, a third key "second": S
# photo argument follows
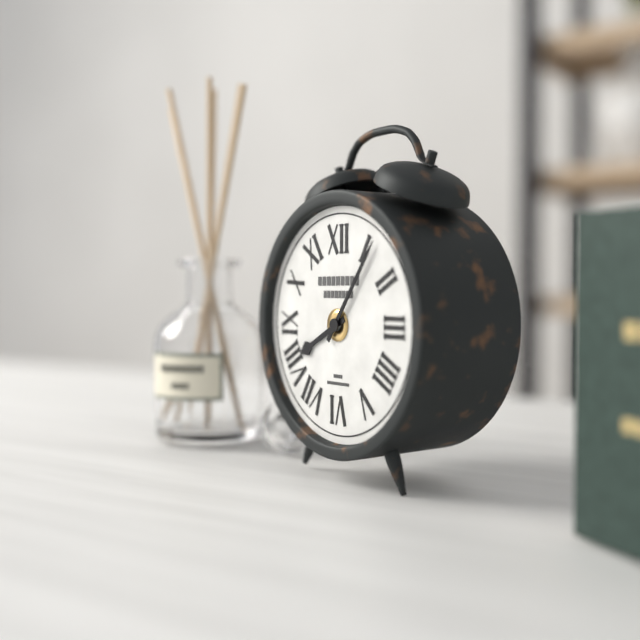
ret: {"hour": 8, "minute": 6}
